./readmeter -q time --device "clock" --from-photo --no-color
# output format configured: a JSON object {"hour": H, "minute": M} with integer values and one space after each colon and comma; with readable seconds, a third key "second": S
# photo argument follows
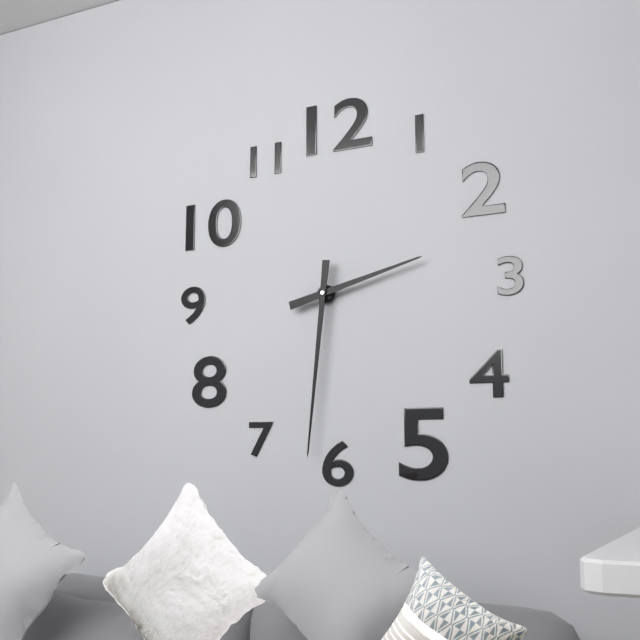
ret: {"hour": 2, "minute": 31}
